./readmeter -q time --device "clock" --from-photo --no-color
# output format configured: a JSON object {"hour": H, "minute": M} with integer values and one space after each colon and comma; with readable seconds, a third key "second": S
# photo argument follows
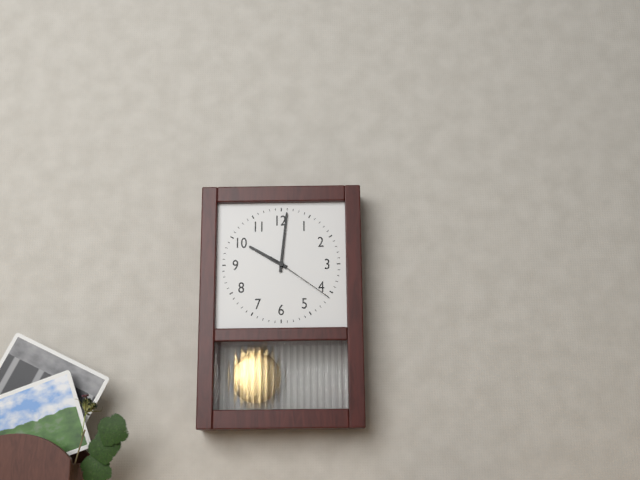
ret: {"hour": 10, "minute": 1, "second": 21}
